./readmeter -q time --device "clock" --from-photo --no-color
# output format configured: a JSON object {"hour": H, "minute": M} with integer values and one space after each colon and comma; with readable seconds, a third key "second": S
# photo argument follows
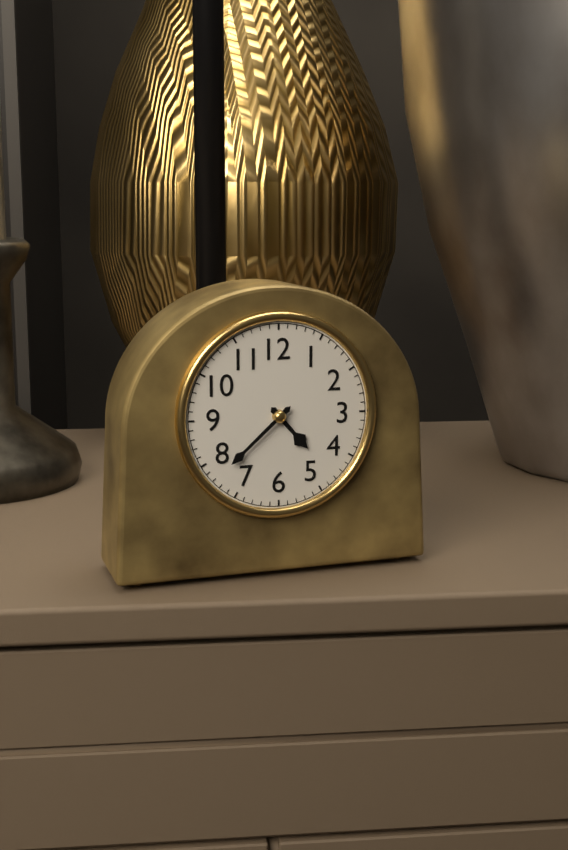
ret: {"hour": 4, "minute": 38}
